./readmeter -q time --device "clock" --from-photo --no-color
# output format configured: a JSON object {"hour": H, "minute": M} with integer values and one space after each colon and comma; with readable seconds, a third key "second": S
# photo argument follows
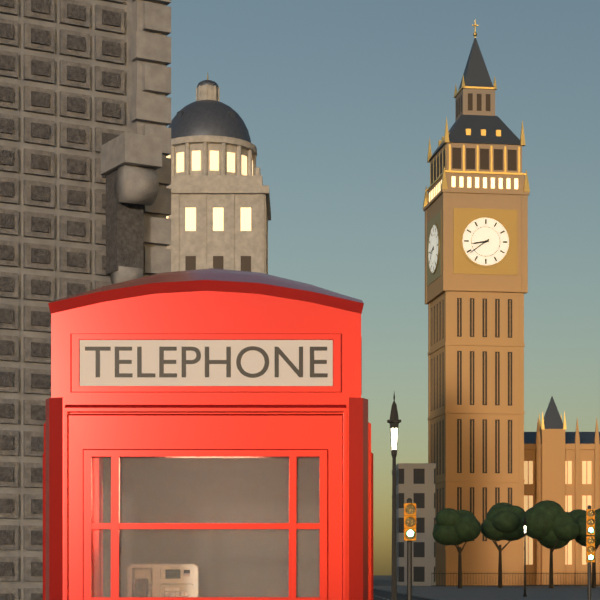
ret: {"hour": 8, "minute": 39}
